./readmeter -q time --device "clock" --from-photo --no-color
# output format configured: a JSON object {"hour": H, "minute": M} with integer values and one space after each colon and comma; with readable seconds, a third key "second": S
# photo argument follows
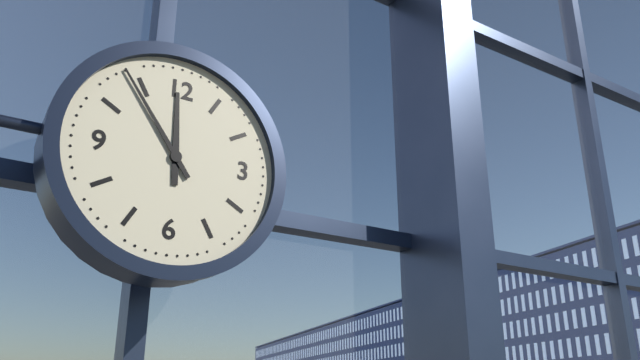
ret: {"hour": 11, "minute": 54}
